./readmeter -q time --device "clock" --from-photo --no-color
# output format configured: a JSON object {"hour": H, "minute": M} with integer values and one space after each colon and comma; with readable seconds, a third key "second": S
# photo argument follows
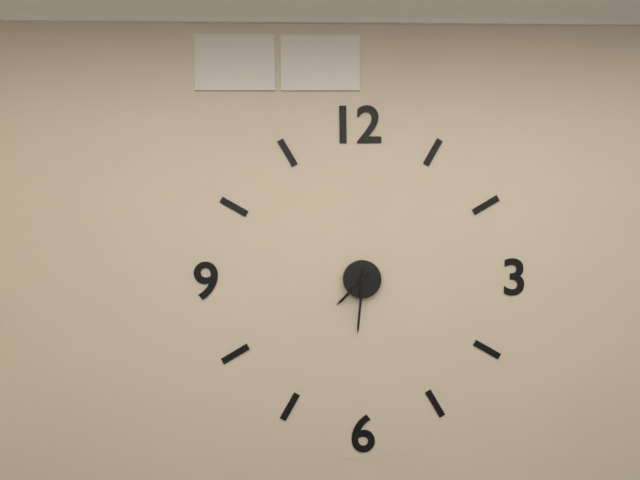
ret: {"hour": 7, "minute": 31}
